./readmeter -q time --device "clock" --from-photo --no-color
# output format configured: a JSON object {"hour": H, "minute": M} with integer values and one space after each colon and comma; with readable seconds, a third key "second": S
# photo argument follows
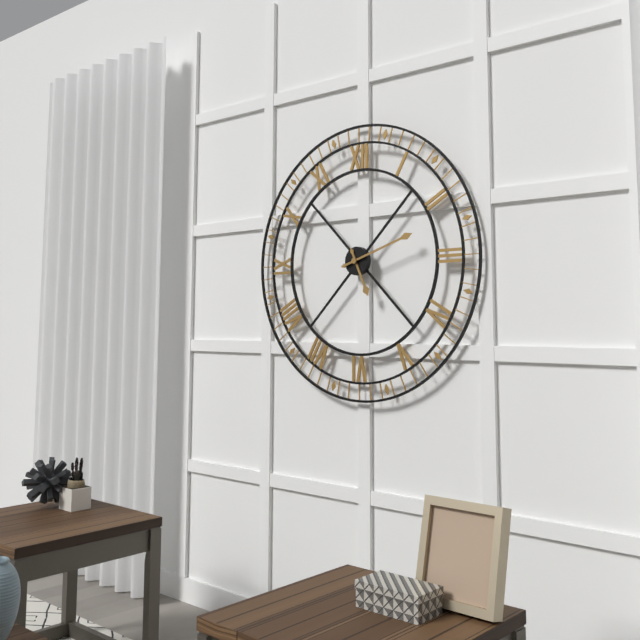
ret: {"hour": 5, "minute": 12}
